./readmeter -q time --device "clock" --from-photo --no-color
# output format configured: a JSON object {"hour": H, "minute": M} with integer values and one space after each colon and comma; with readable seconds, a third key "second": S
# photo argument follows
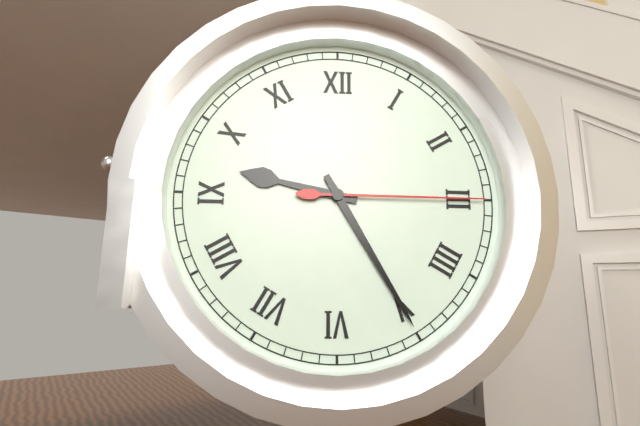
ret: {"hour": 9, "minute": 25, "second": 15}
